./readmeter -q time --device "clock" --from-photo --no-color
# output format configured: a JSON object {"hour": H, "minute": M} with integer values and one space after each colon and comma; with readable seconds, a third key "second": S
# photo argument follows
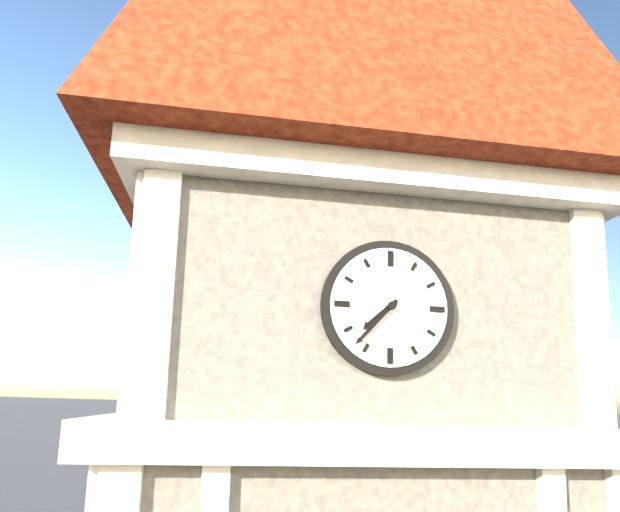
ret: {"hour": 7, "minute": 37}
